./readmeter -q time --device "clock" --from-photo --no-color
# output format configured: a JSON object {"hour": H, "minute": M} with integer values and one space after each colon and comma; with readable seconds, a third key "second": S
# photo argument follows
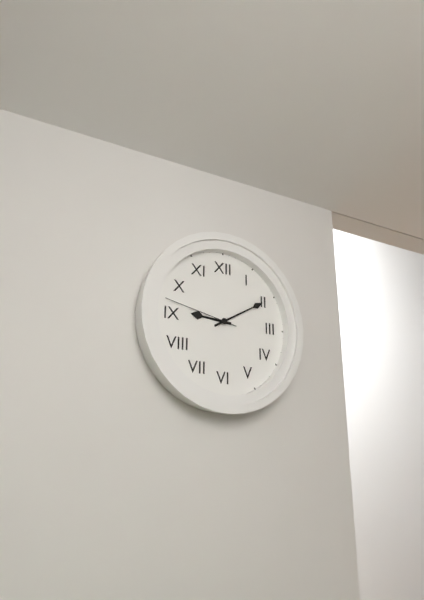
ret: {"hour": 9, "minute": 10, "second": 47}
